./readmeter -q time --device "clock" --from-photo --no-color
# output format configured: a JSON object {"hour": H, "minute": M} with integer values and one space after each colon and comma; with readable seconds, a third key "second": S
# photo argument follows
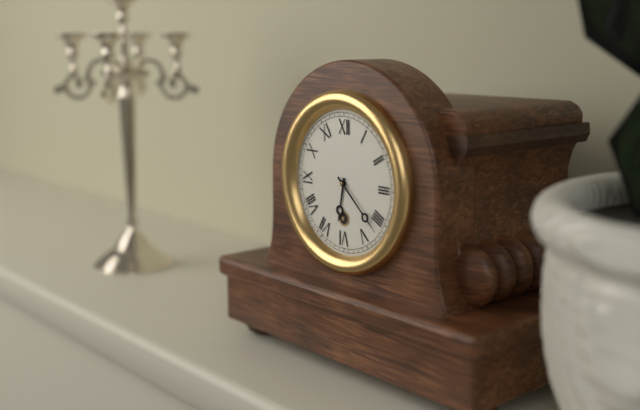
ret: {"hour": 6, "minute": 22}
